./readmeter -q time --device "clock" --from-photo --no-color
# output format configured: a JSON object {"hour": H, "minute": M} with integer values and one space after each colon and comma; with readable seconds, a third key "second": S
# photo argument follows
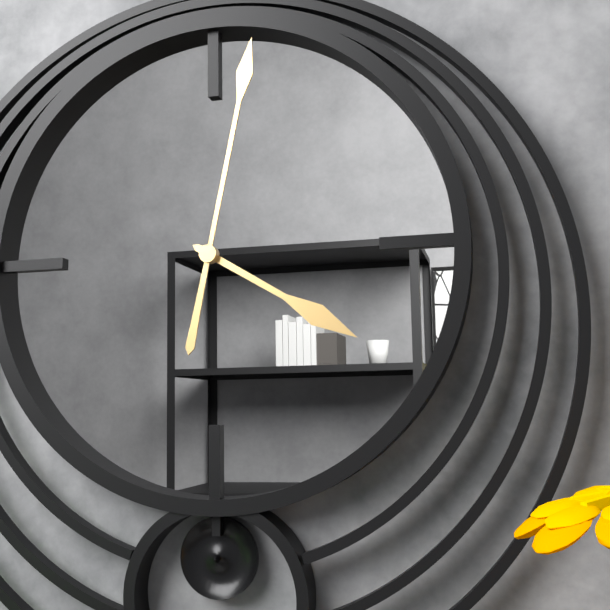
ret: {"hour": 4, "minute": 2}
